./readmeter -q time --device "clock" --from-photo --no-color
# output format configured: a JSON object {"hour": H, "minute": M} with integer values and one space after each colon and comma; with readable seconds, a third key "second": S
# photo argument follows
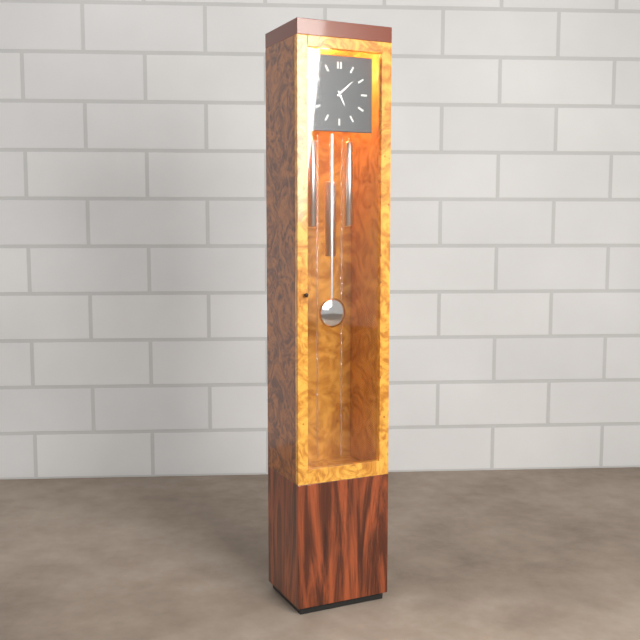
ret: {"hour": 5, "minute": 8}
